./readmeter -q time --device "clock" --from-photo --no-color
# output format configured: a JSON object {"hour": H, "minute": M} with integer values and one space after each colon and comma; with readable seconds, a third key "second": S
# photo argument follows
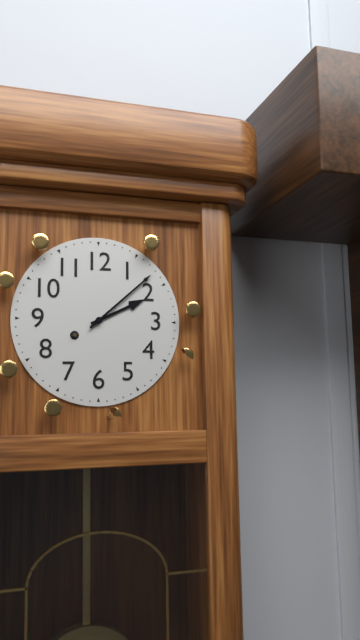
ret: {"hour": 2, "minute": 8}
